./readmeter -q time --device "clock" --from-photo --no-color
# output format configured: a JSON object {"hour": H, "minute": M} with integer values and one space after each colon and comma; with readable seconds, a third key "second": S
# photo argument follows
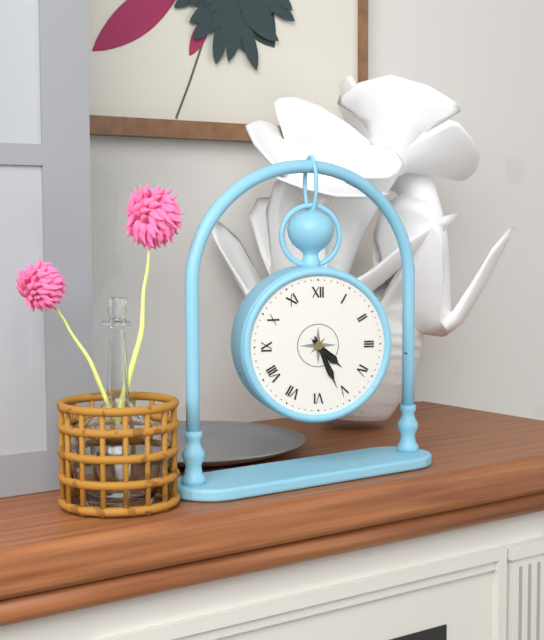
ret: {"hour": 4, "minute": 26}
